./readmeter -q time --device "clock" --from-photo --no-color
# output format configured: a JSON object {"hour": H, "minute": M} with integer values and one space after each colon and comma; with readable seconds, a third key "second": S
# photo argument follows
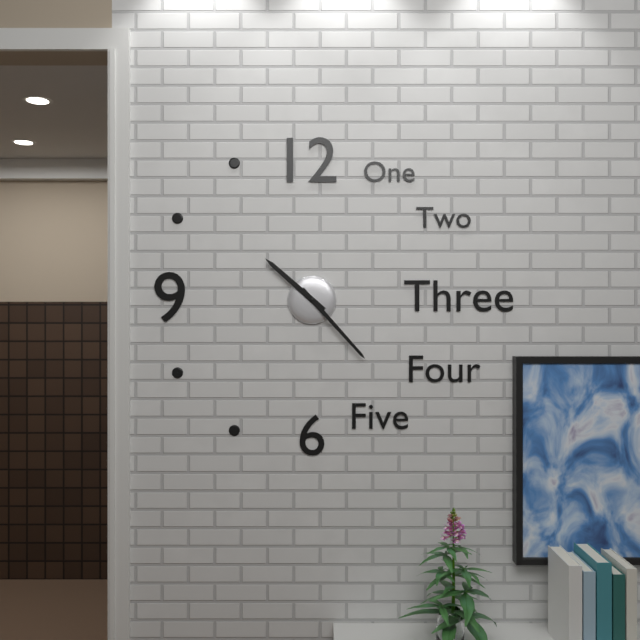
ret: {"hour": 10, "minute": 23}
